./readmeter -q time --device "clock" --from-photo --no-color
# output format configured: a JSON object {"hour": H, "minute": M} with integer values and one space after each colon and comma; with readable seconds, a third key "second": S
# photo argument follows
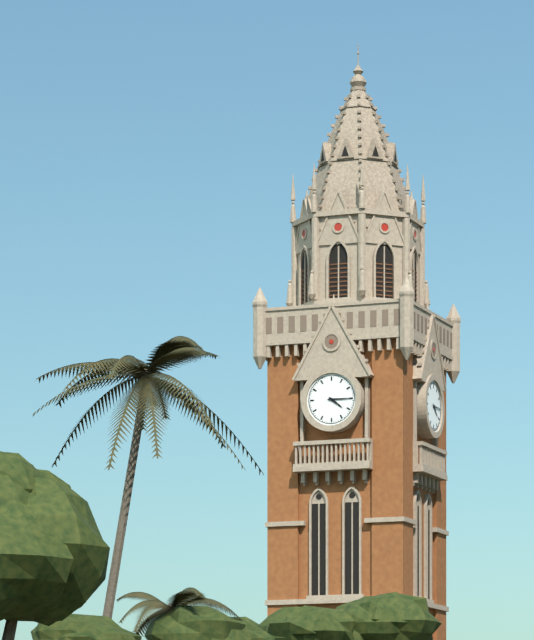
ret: {"hour": 4, "minute": 15}
